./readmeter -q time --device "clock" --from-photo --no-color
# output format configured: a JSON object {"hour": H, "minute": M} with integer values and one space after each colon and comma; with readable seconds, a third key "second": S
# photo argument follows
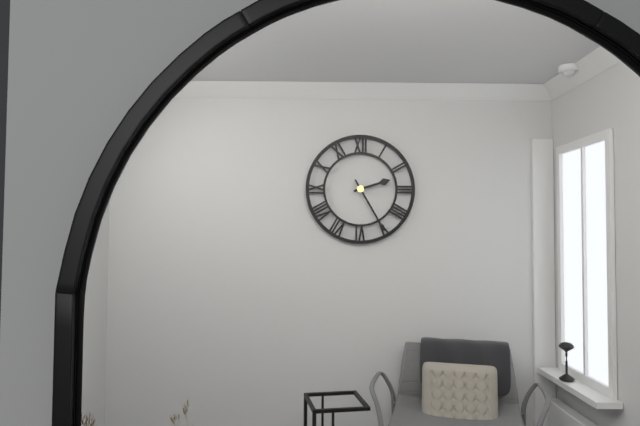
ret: {"hour": 2, "minute": 25}
